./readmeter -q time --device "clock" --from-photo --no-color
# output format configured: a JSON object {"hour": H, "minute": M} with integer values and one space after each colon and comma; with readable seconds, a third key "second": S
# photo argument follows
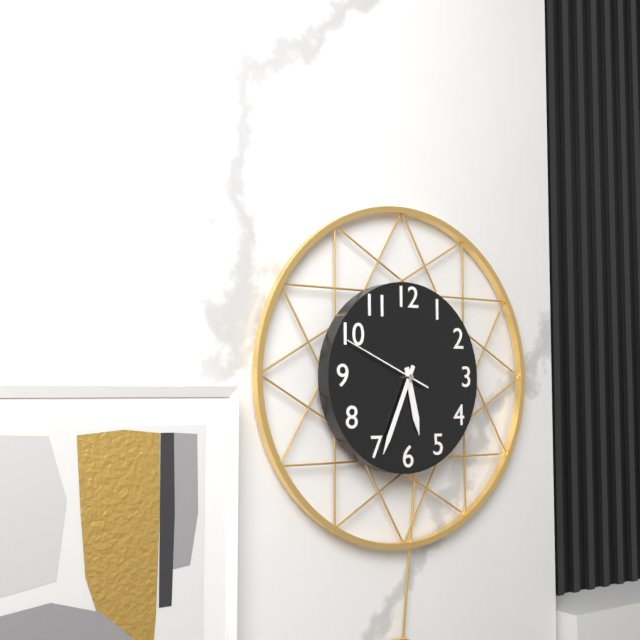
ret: {"hour": 5, "minute": 34, "second": 49}
